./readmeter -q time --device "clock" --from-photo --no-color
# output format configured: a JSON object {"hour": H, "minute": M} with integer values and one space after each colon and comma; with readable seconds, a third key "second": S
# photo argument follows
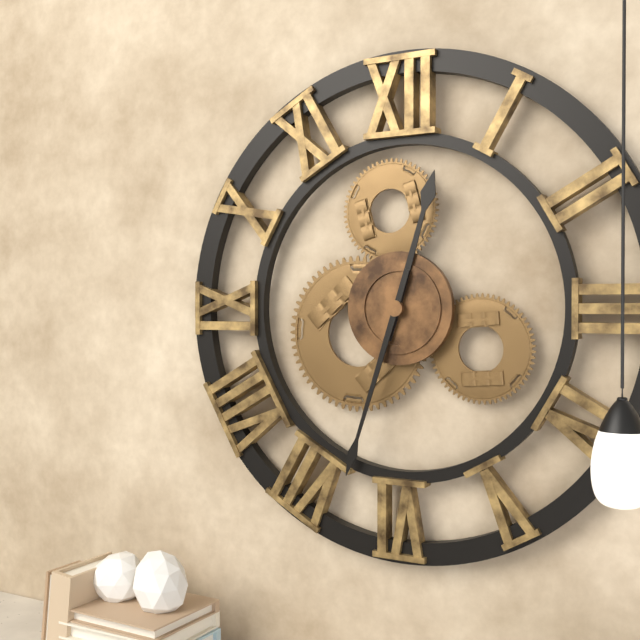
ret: {"hour": 12, "minute": 33}
